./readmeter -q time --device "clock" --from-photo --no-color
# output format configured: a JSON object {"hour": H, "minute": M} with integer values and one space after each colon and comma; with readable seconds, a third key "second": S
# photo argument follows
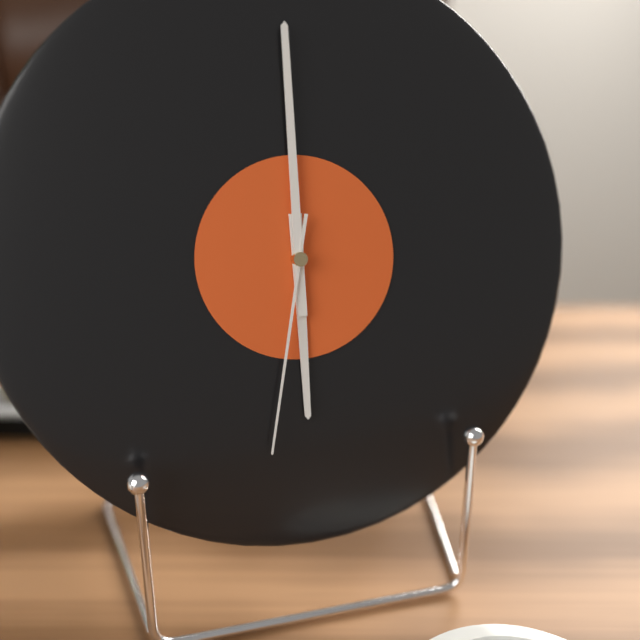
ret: {"hour": 6, "minute": 0, "second": 32}
